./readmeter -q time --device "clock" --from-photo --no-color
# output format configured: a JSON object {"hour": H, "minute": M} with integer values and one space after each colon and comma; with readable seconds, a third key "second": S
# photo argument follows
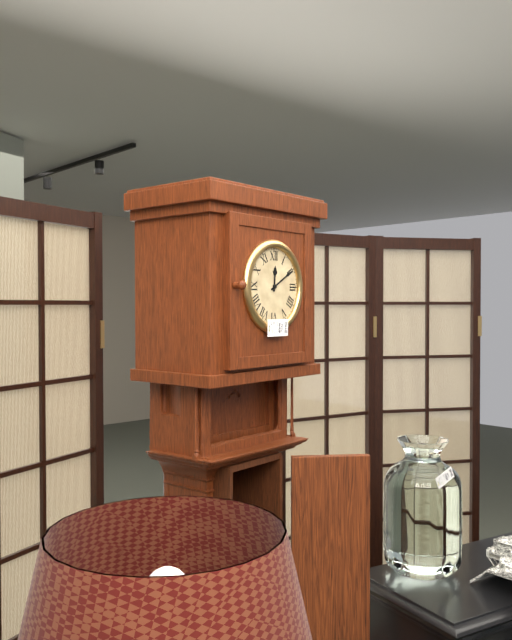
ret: {"hour": 12, "minute": 10}
